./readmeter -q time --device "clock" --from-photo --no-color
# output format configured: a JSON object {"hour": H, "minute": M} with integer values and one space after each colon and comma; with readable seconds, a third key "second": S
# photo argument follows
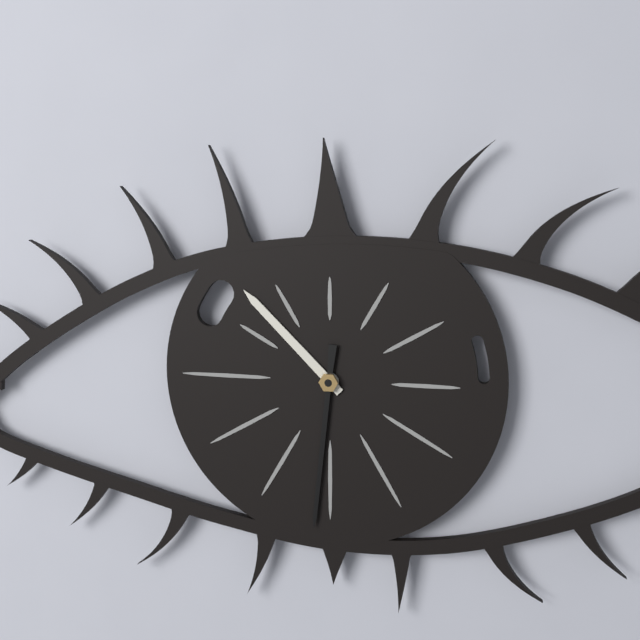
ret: {"hour": 10, "minute": 31}
